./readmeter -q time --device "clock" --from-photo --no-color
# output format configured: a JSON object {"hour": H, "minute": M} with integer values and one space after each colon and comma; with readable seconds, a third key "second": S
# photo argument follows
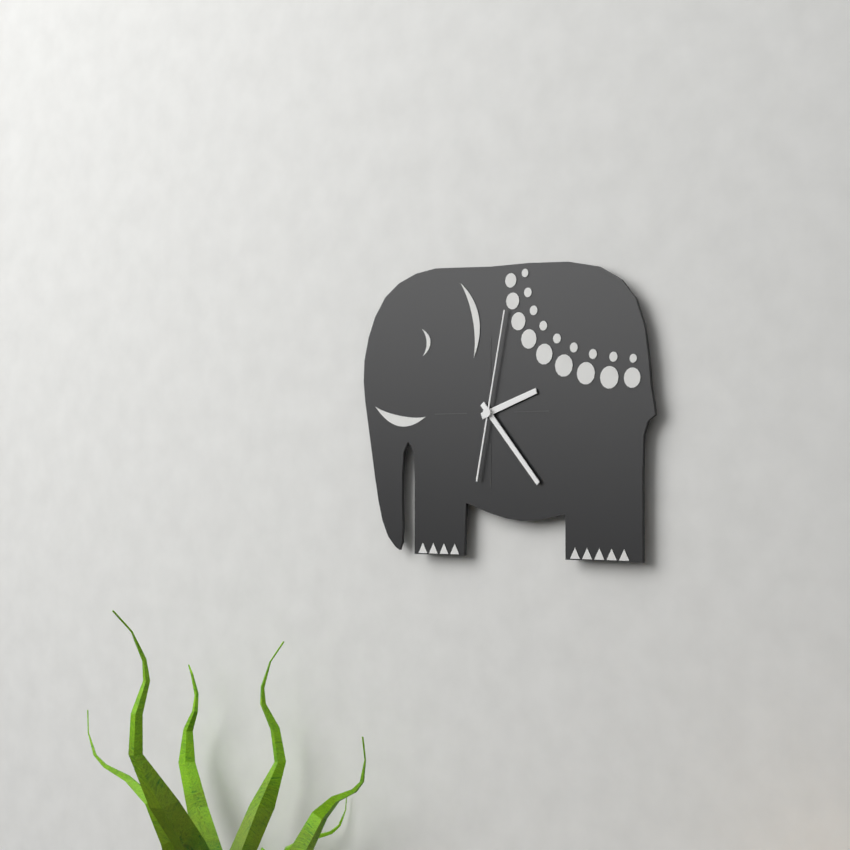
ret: {"hour": 2, "minute": 23, "second": 2}
